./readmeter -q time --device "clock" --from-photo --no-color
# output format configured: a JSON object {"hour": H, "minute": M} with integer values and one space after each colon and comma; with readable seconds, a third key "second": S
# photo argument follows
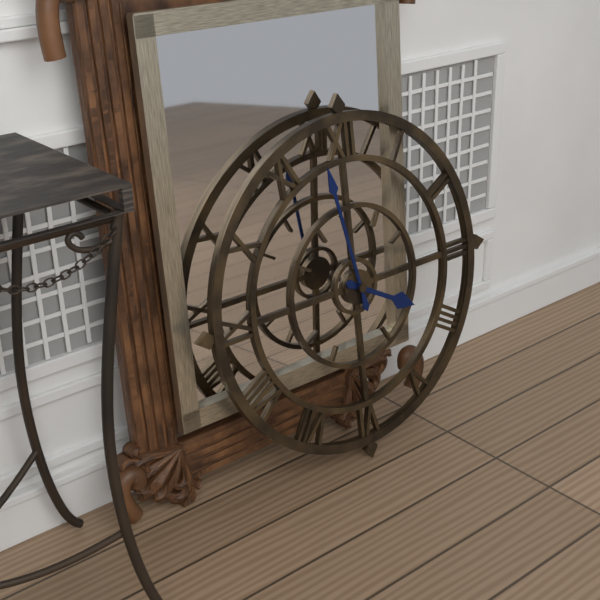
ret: {"hour": 3, "minute": 58}
